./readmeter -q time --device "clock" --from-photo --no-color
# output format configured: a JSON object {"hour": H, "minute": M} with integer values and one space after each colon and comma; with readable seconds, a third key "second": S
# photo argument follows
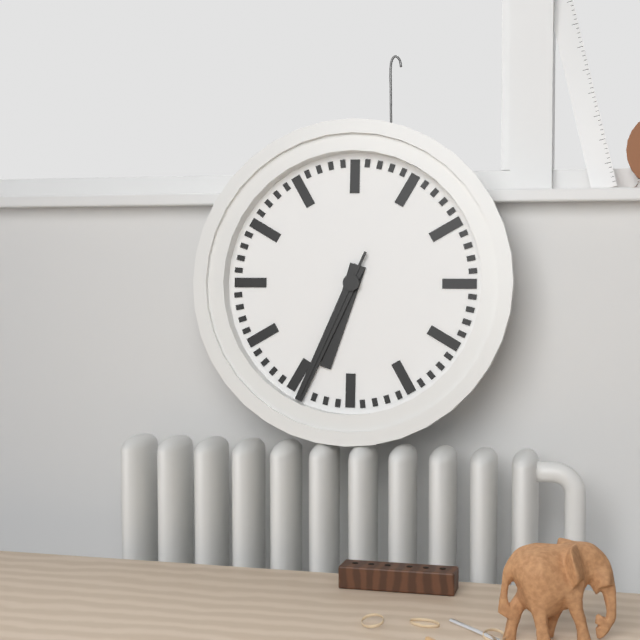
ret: {"hour": 6, "minute": 34, "second": 34}
